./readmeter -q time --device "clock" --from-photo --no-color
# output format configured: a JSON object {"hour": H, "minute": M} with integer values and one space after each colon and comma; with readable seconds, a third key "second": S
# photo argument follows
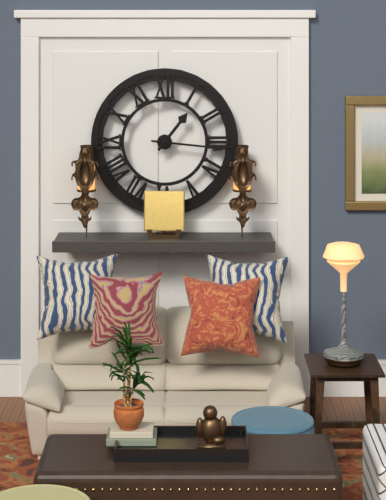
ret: {"hour": 1, "minute": 16}
